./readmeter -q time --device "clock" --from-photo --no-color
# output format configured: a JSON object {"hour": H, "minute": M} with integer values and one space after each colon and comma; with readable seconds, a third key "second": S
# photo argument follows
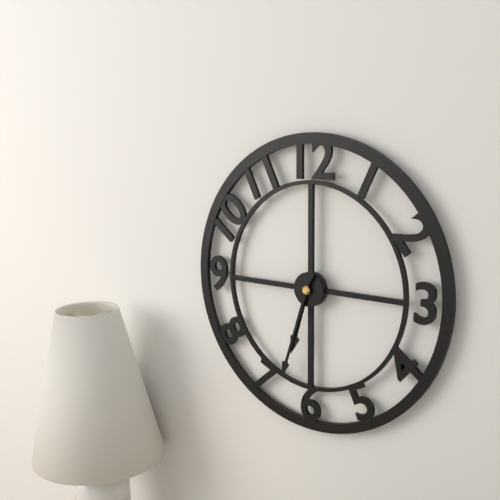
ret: {"hour": 6, "minute": 33}
